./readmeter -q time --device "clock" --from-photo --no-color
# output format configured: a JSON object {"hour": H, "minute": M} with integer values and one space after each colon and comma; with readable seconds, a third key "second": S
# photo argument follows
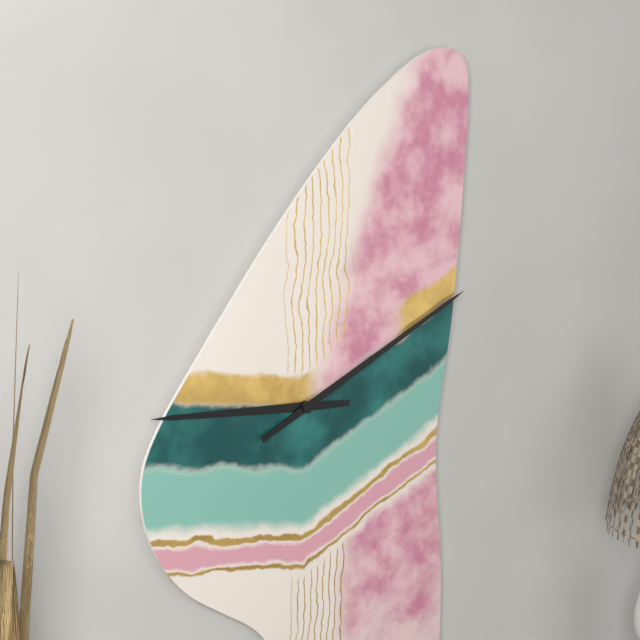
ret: {"hour": 9, "minute": 11}
